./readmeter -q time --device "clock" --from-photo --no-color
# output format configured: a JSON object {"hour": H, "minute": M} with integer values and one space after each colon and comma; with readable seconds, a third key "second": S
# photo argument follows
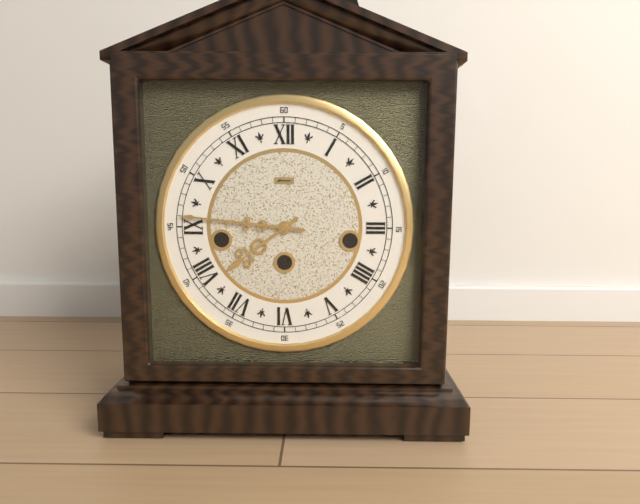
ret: {"hour": 7, "minute": 46}
